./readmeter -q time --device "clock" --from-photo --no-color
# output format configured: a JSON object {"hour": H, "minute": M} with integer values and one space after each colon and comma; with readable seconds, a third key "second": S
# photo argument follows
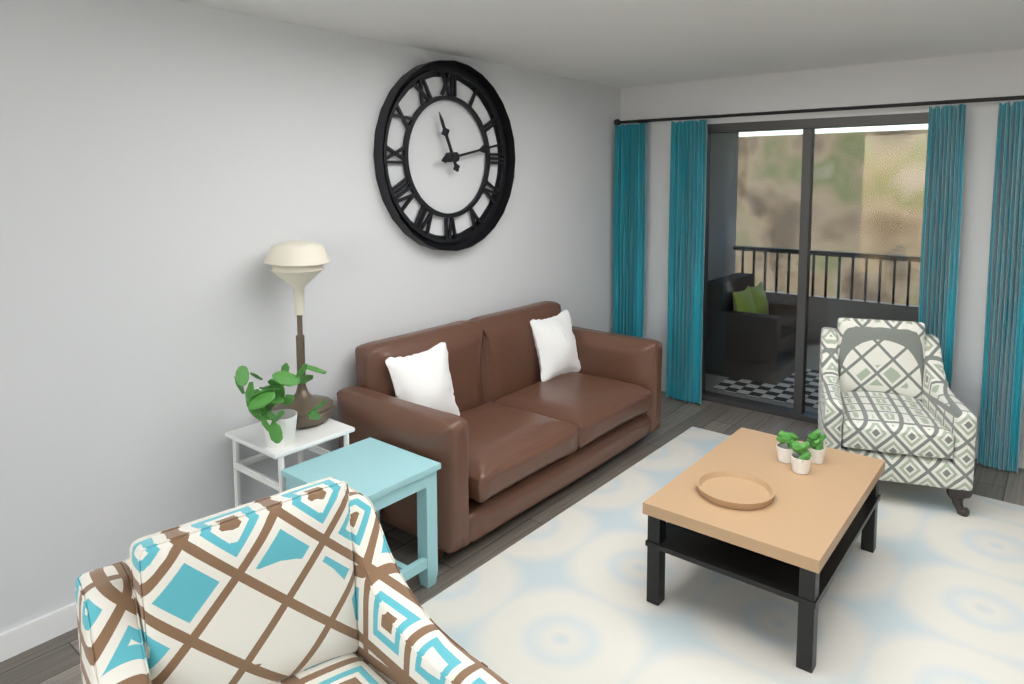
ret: {"hour": 11, "minute": 13}
